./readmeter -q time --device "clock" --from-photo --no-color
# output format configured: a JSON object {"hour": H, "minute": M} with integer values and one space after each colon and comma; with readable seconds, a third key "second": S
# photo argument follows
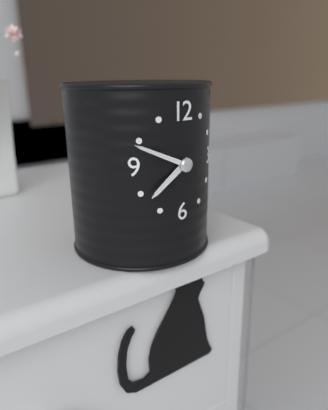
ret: {"hour": 7, "minute": 49}
